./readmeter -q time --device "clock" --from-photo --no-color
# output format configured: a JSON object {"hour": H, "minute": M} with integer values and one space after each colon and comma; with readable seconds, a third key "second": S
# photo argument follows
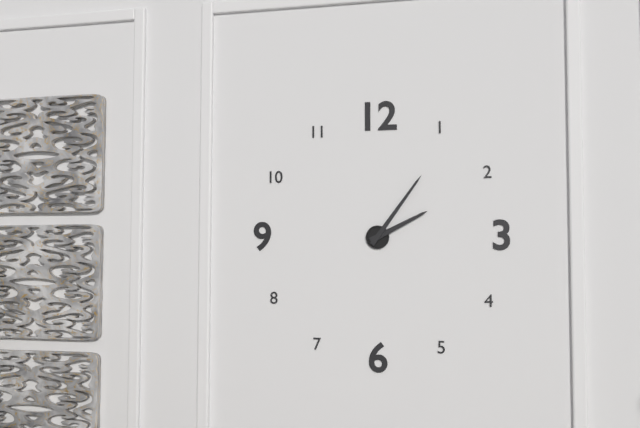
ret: {"hour": 2, "minute": 6}
